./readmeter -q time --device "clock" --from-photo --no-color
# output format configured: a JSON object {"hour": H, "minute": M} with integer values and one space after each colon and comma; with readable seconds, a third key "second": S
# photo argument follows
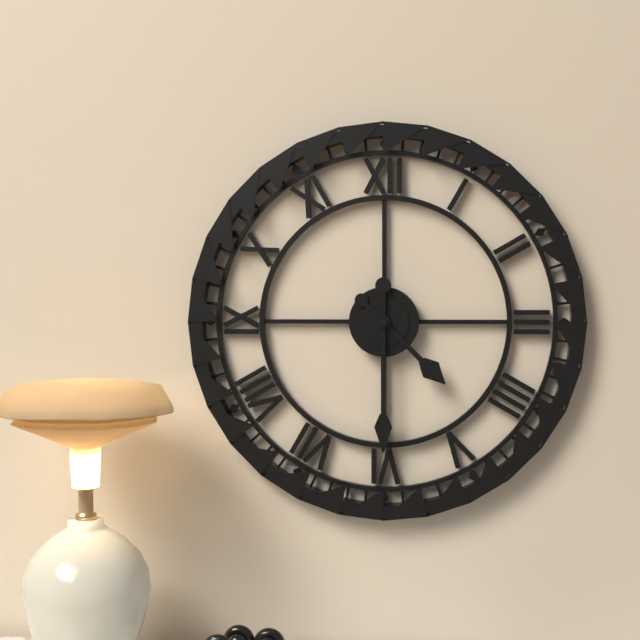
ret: {"hour": 4, "minute": 30}
